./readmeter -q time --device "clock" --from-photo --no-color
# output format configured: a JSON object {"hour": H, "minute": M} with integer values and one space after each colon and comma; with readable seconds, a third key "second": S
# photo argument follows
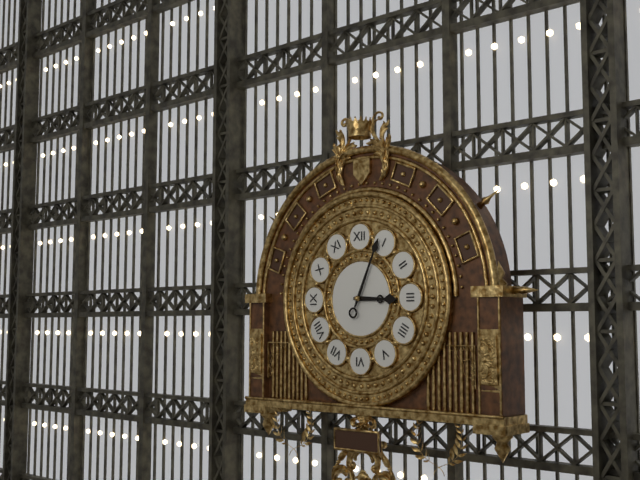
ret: {"hour": 3, "minute": 4}
